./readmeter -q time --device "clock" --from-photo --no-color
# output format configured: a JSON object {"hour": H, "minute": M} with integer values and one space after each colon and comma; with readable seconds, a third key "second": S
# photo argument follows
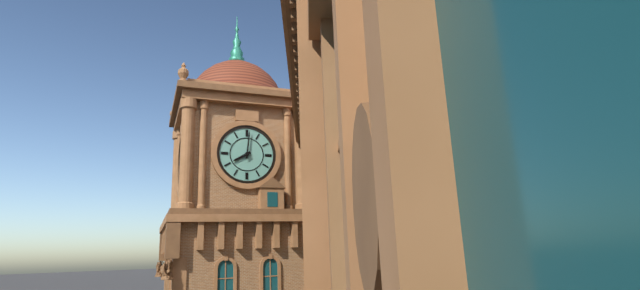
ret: {"hour": 8, "minute": 1}
